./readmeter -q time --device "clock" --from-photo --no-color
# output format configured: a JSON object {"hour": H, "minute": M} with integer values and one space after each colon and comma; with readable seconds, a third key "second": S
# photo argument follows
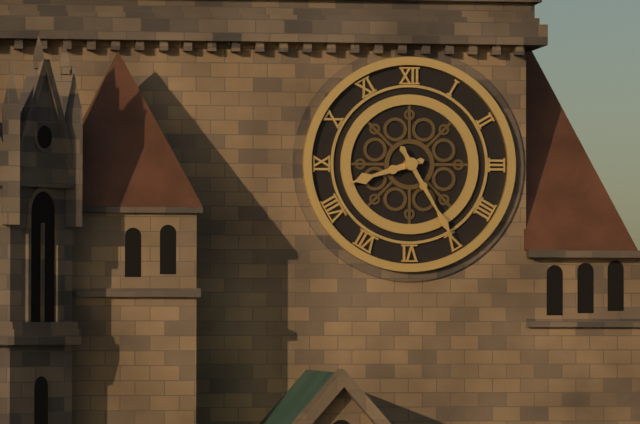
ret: {"hour": 8, "minute": 25}
